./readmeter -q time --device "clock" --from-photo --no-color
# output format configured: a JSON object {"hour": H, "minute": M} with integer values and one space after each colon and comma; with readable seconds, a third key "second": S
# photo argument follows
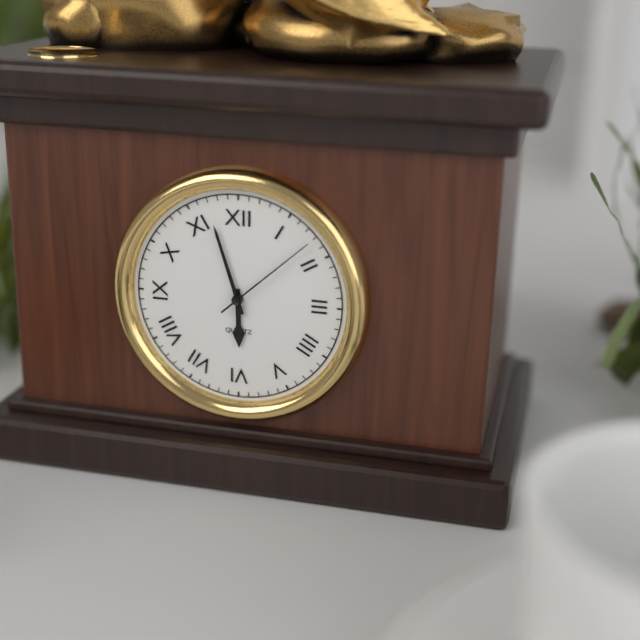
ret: {"hour": 5, "minute": 57, "second": 8}
